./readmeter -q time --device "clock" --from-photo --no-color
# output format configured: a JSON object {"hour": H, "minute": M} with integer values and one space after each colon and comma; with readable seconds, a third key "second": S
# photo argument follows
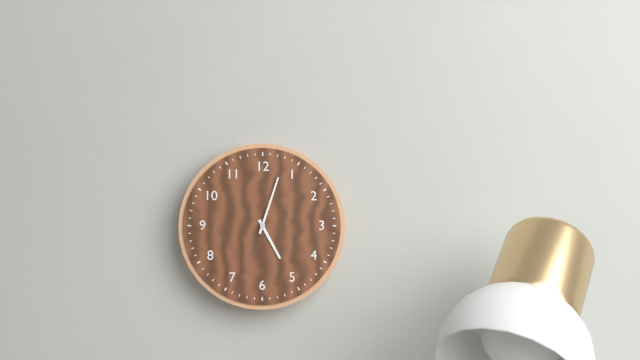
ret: {"hour": 5, "minute": 3}
